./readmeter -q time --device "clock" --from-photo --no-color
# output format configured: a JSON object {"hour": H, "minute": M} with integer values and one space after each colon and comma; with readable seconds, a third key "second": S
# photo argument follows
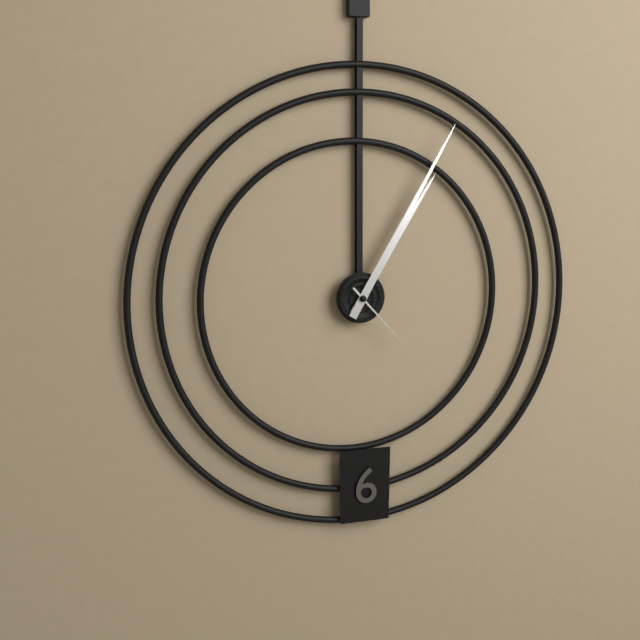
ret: {"hour": 1, "minute": 5, "second": 23}
